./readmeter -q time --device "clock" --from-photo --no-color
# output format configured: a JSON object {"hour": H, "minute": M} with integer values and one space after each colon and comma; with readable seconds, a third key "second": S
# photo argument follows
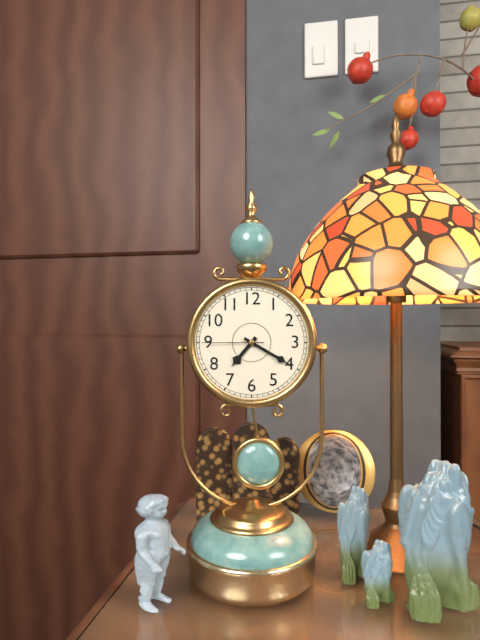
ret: {"hour": 7, "minute": 20, "second": 45}
